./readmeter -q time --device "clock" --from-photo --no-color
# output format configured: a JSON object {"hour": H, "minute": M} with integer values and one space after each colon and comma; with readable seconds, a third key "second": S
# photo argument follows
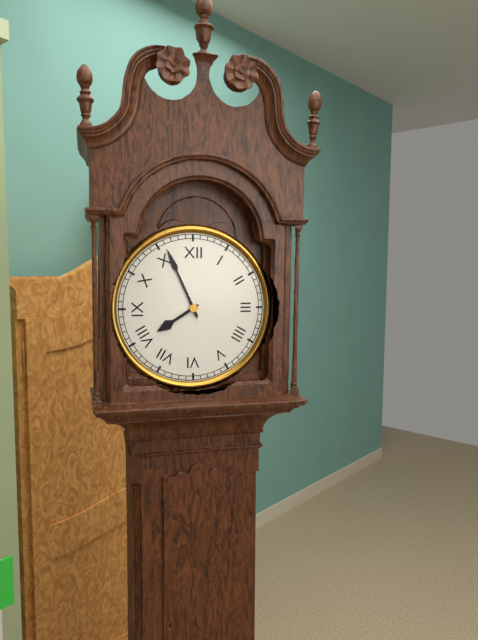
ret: {"hour": 7, "minute": 56}
